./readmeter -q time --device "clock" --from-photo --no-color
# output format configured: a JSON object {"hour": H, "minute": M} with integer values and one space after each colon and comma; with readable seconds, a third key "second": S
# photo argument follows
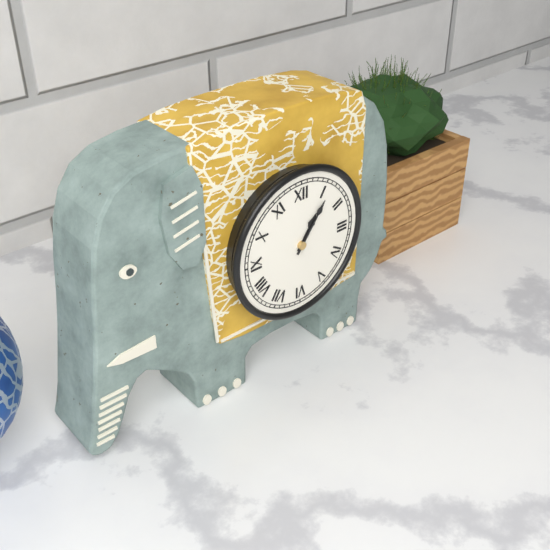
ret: {"hour": 1, "minute": 6}
